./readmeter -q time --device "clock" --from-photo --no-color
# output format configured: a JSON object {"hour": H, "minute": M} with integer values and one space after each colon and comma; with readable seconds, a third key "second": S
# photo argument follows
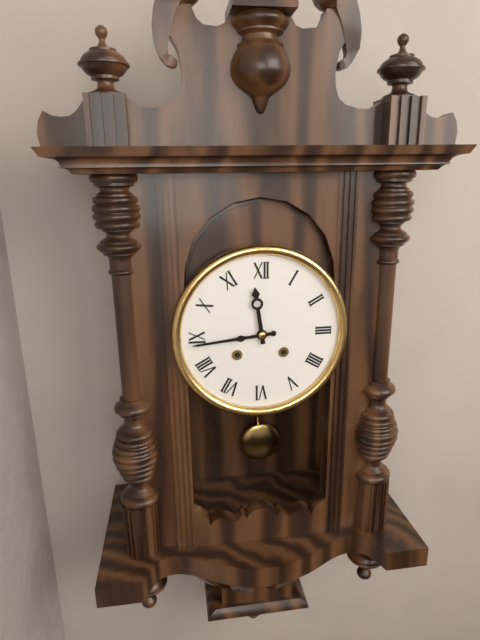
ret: {"hour": 11, "minute": 44}
